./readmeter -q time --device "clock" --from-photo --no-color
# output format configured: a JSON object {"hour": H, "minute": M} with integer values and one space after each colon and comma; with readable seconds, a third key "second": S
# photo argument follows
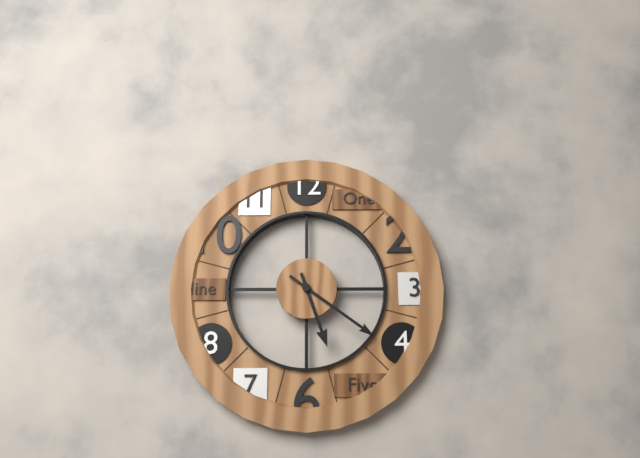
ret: {"hour": 5, "minute": 21}
